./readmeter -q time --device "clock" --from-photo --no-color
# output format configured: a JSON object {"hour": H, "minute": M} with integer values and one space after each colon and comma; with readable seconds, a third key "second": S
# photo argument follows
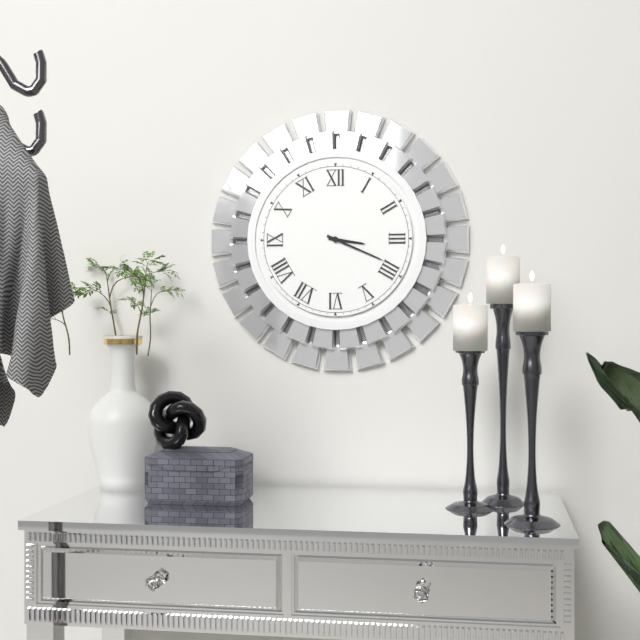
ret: {"hour": 3, "minute": 19}
